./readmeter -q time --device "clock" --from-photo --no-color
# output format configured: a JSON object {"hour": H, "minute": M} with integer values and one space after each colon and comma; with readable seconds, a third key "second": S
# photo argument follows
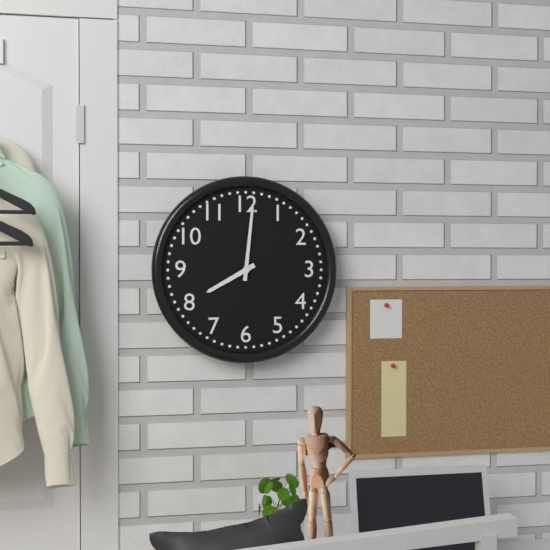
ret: {"hour": 8, "minute": 1}
